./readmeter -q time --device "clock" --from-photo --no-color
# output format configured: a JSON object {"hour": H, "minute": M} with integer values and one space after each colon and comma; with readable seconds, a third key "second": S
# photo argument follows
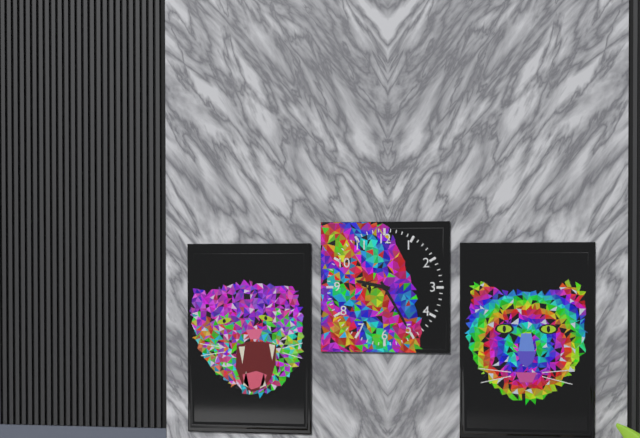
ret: {"hour": 9, "minute": 25}
